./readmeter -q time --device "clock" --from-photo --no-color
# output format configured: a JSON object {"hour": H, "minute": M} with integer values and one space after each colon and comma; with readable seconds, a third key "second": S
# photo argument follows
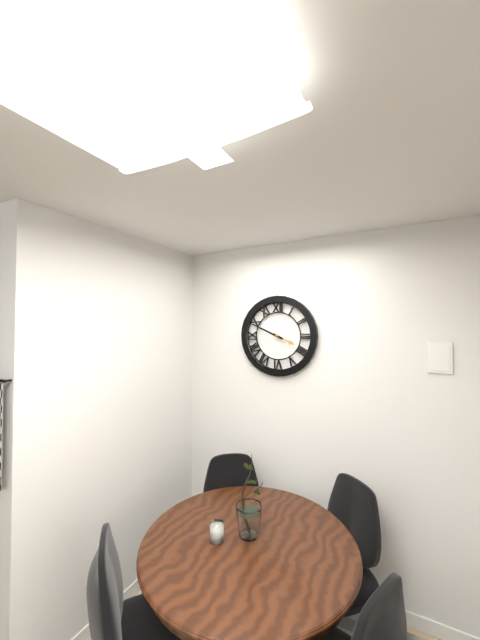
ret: {"hour": 3, "minute": 49}
